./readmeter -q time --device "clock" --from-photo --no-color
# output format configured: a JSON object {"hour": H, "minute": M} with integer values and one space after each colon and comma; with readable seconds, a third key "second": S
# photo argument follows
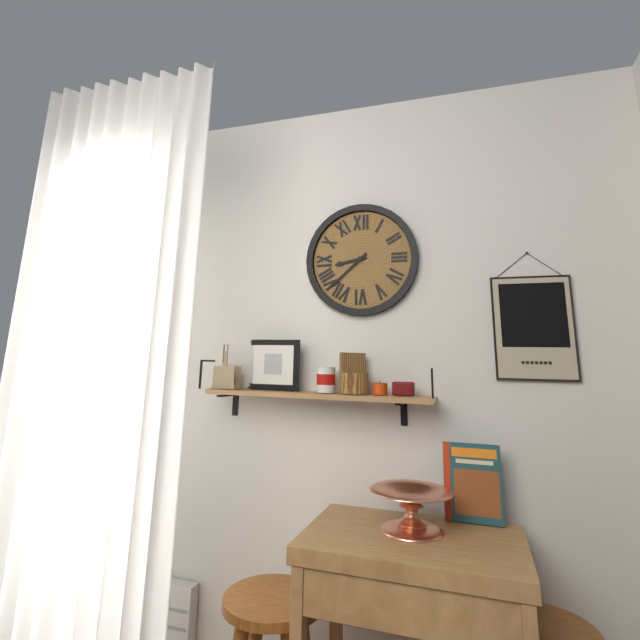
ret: {"hour": 8, "minute": 38}
